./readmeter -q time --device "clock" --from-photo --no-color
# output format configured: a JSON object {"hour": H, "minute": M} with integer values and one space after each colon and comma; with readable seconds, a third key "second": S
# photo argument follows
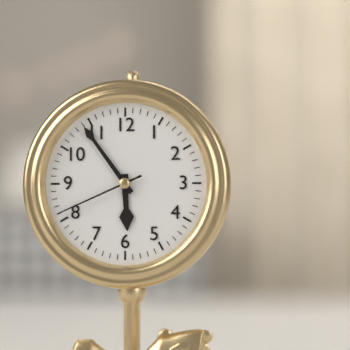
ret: {"hour": 5, "minute": 54, "second": 41}
